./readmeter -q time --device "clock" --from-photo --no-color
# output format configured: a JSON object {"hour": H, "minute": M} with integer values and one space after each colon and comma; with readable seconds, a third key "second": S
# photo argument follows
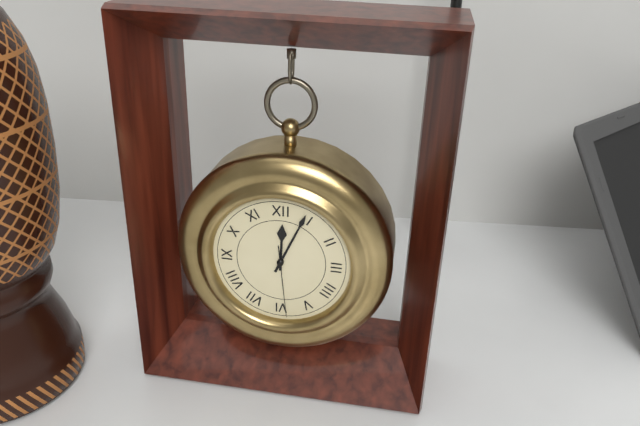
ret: {"hour": 12, "minute": 4, "second": 29}
